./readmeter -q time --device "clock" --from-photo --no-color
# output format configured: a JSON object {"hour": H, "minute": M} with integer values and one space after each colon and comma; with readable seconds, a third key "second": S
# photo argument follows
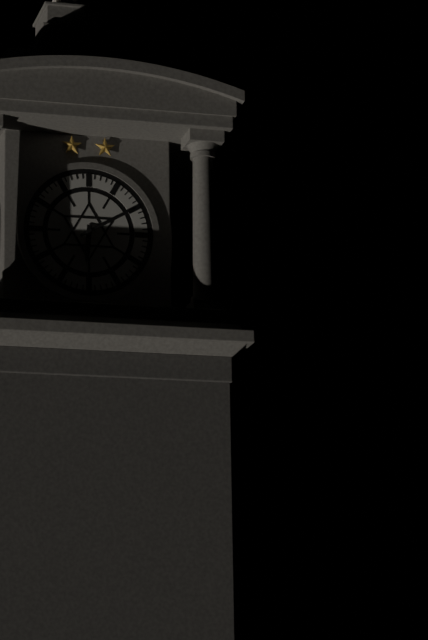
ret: {"hour": 6, "minute": 10}
